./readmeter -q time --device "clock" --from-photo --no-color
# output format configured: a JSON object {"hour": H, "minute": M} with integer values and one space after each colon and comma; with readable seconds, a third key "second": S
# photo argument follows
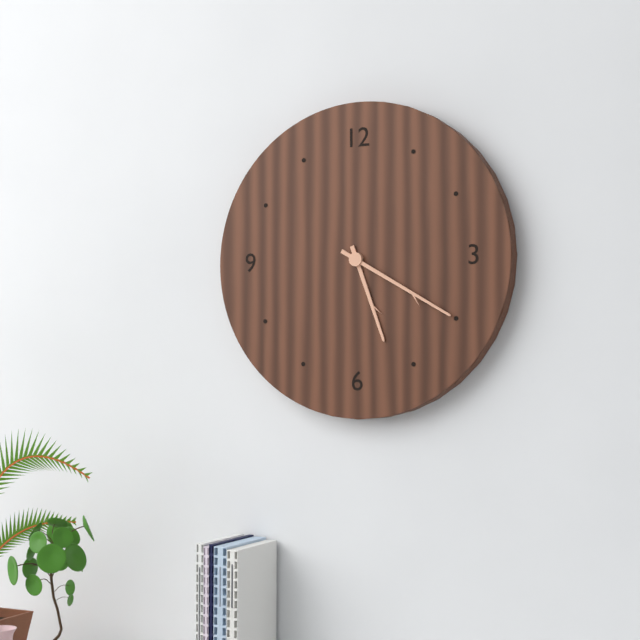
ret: {"hour": 5, "minute": 20}
